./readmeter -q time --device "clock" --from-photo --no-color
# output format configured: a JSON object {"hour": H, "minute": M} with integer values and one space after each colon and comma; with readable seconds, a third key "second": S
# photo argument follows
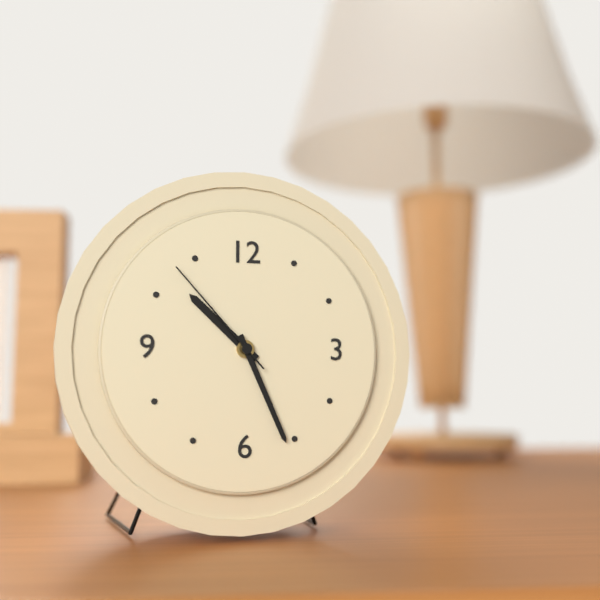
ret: {"hour": 10, "minute": 26, "second": 53}
